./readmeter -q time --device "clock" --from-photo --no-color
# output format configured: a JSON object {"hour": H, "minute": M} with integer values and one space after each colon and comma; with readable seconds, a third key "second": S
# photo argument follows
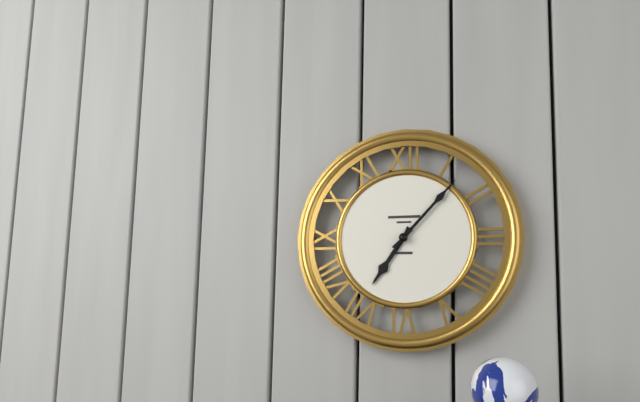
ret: {"hour": 7, "minute": 7}
